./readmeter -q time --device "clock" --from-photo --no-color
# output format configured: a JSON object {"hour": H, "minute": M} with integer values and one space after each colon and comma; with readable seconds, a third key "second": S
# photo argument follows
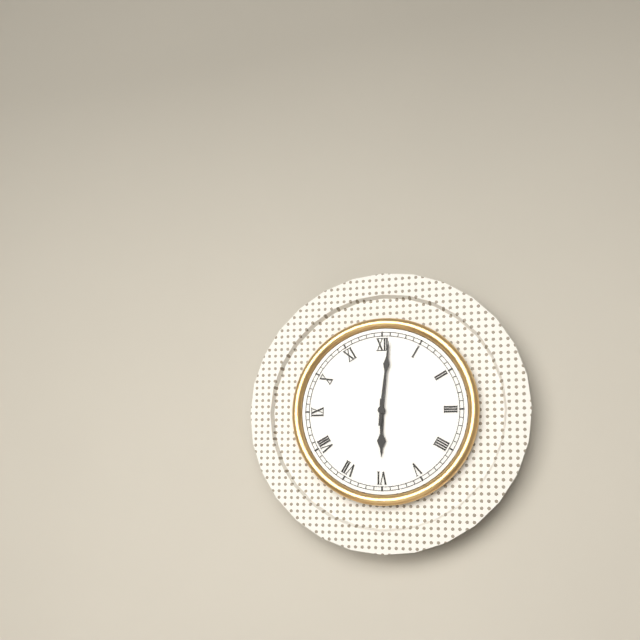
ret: {"hour": 6, "minute": 1}
